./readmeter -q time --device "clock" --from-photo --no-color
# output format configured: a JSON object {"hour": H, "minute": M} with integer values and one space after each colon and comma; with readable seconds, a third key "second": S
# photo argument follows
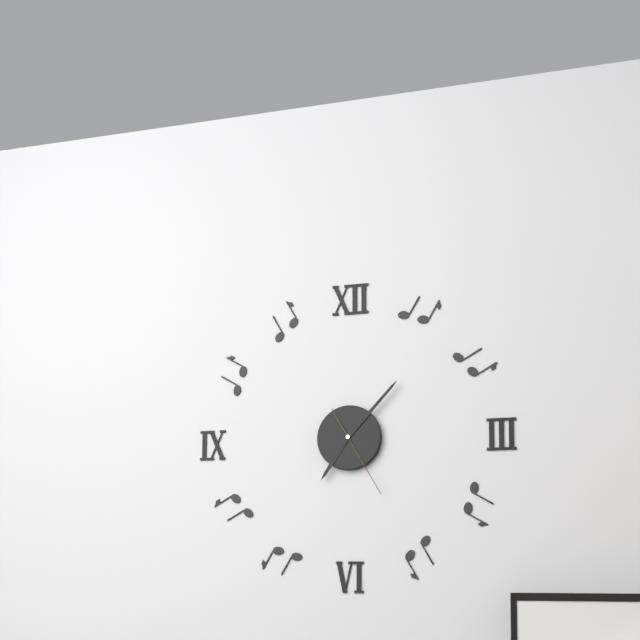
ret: {"hour": 7, "minute": 7, "second": 25}
